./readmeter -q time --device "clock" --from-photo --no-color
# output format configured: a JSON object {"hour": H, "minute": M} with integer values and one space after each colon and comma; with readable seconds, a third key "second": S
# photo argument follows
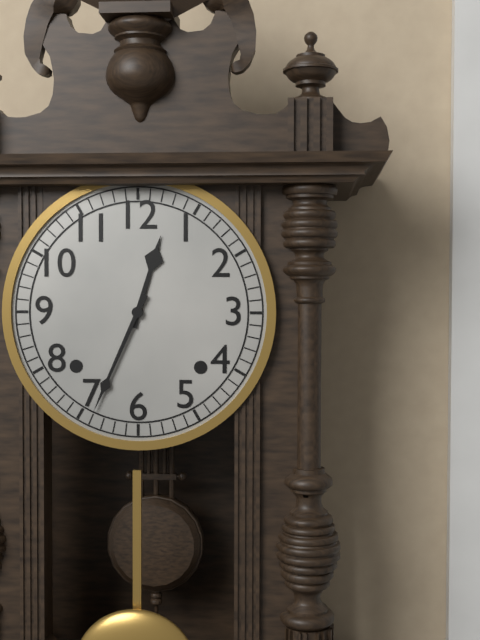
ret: {"hour": 12, "minute": 34}
